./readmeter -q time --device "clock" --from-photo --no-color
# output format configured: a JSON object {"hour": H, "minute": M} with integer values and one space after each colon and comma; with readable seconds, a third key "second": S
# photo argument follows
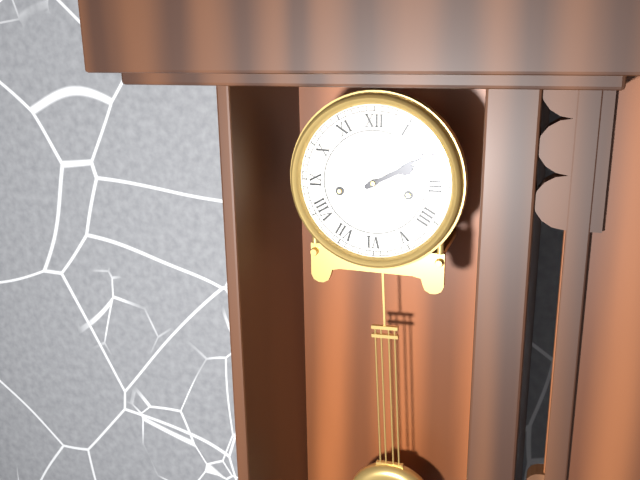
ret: {"hour": 2, "minute": 10}
